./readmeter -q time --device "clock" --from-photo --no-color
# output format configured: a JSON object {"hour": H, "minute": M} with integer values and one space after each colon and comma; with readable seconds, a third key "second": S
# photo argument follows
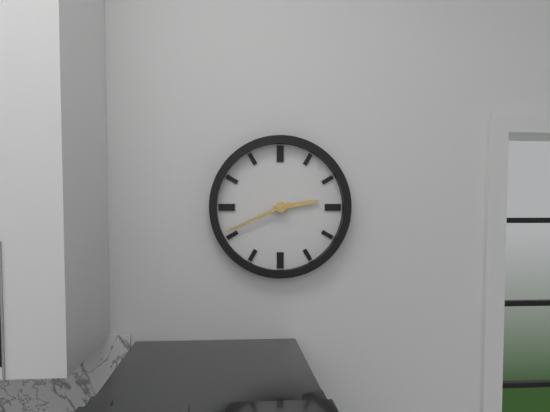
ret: {"hour": 2, "minute": 41}
